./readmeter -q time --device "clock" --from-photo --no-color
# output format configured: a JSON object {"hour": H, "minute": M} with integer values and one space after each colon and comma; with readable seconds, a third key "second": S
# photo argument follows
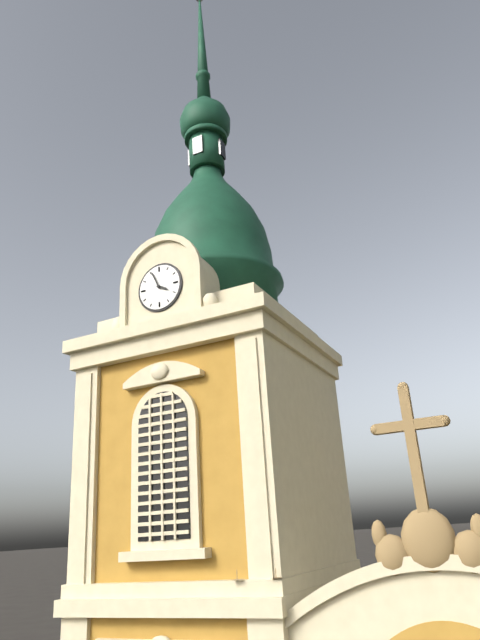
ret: {"hour": 3, "minute": 56}
